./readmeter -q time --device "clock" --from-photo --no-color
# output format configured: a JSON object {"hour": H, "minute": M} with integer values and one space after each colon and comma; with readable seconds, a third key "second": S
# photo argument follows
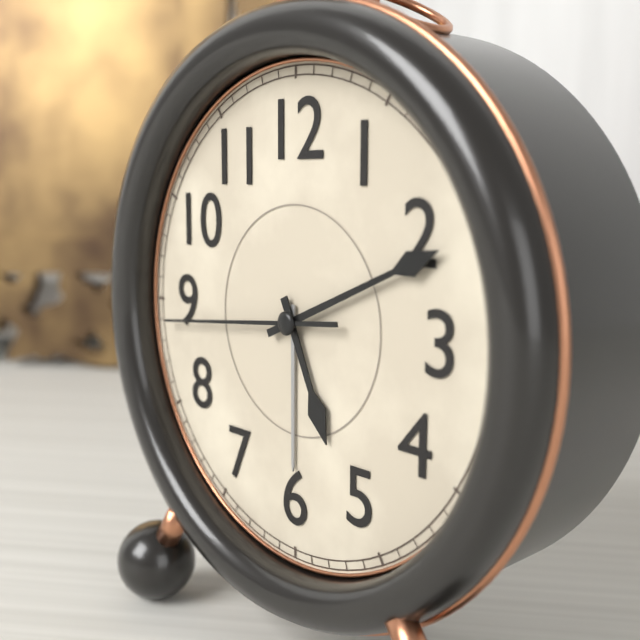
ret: {"hour": 5, "minute": 11, "second": 44}
